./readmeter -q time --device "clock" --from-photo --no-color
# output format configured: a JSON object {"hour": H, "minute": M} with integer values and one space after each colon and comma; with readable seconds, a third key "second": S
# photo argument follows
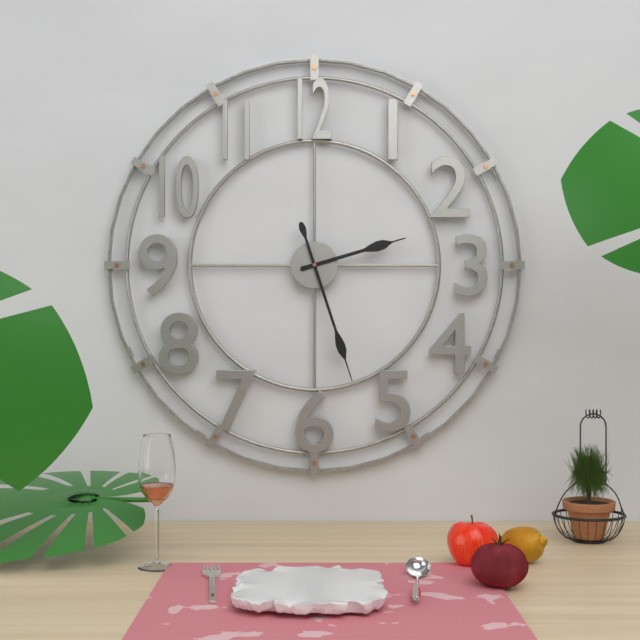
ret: {"hour": 2, "minute": 27}
